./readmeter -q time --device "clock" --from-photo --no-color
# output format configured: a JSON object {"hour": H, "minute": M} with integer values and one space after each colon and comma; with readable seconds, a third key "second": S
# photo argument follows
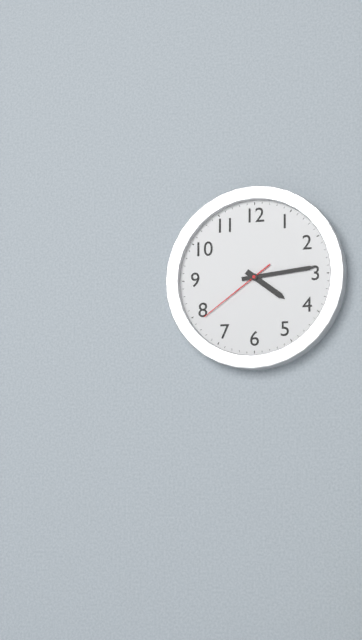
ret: {"hour": 4, "minute": 14, "second": 39}
